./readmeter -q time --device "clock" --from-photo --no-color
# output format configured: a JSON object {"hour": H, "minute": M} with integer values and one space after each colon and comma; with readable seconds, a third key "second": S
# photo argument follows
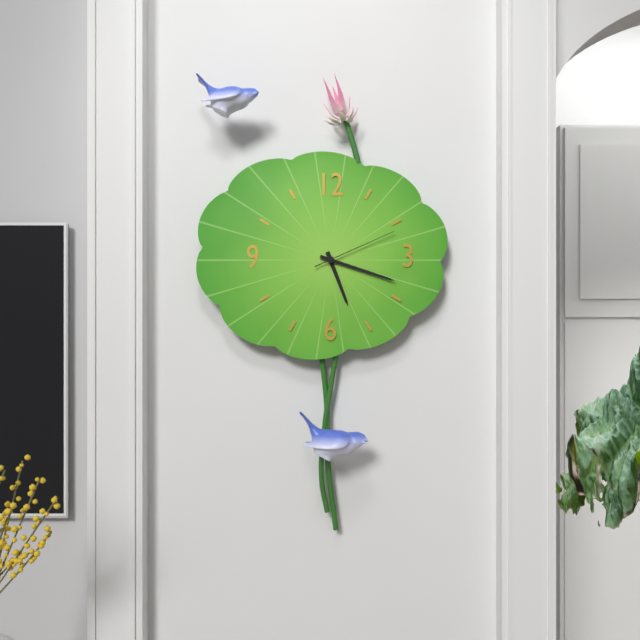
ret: {"hour": 5, "minute": 18, "second": 11}
